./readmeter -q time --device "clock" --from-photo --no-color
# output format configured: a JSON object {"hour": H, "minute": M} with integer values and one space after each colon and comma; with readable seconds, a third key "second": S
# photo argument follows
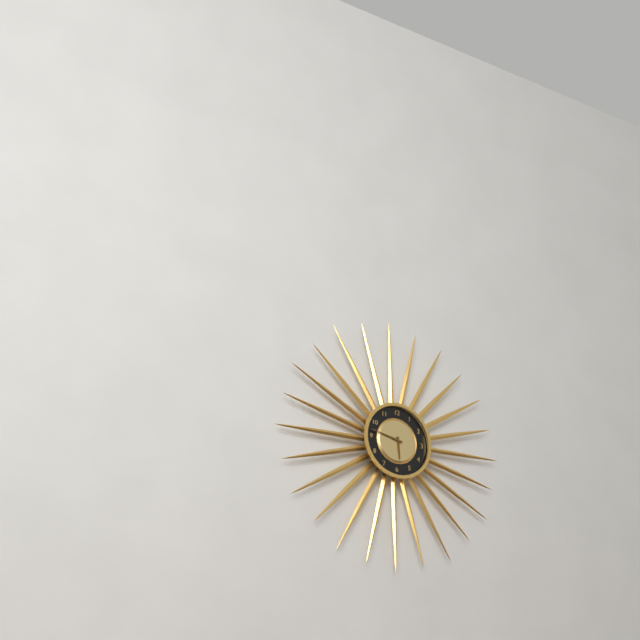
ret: {"hour": 5, "minute": 47}
